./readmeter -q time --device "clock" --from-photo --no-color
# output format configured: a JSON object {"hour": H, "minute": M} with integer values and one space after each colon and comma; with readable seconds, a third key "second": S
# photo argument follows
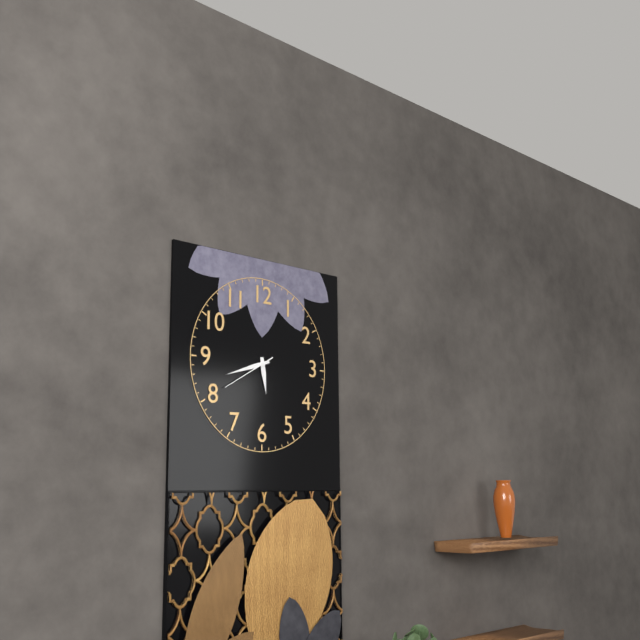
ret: {"hour": 5, "minute": 42, "second": 40}
